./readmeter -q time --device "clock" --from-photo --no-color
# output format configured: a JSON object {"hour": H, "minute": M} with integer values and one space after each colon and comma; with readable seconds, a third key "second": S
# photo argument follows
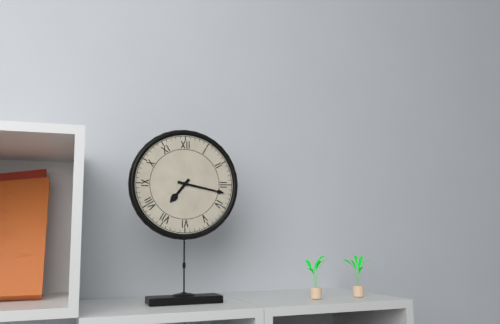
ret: {"hour": 7, "minute": 17}
